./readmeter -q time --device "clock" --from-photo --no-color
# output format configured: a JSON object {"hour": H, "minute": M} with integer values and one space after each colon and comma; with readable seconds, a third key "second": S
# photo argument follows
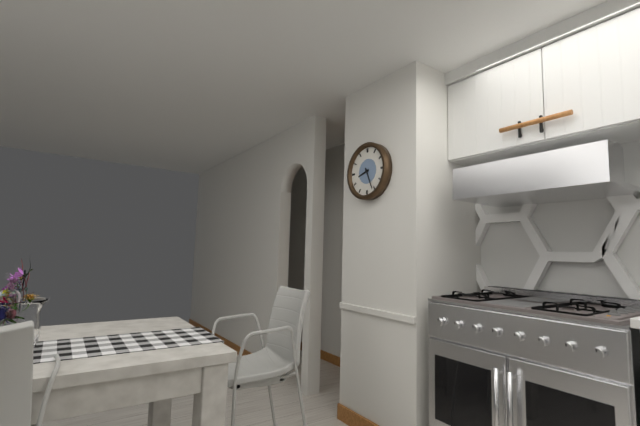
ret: {"hour": 8, "minute": 26}
